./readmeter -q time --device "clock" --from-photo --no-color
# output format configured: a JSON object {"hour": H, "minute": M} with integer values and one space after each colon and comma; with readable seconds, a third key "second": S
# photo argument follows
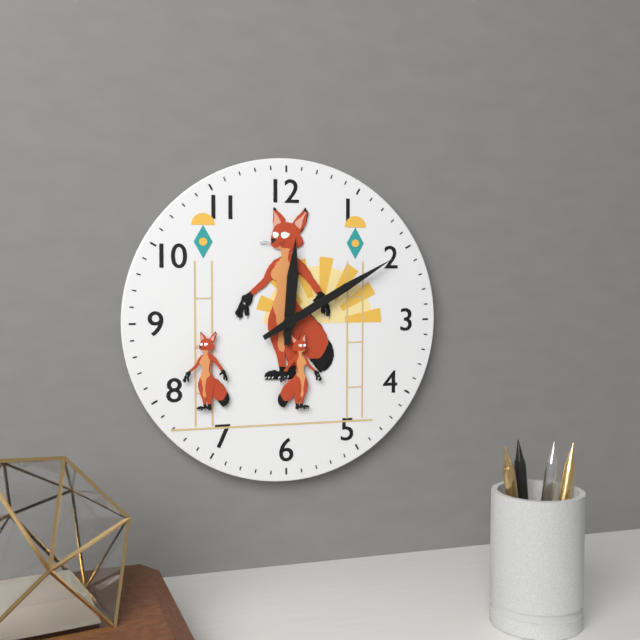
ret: {"hour": 12, "minute": 10}
